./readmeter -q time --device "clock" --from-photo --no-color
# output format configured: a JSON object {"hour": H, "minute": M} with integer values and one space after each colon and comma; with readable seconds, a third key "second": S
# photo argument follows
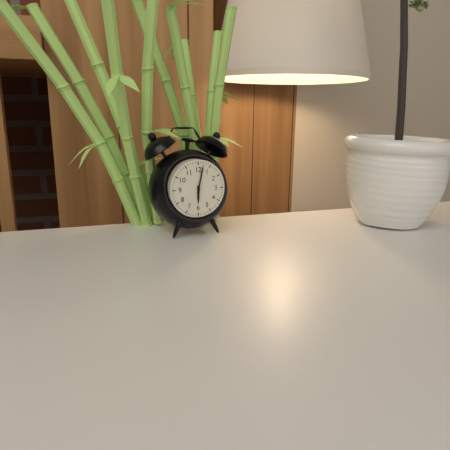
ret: {"hour": 6, "minute": 2}
